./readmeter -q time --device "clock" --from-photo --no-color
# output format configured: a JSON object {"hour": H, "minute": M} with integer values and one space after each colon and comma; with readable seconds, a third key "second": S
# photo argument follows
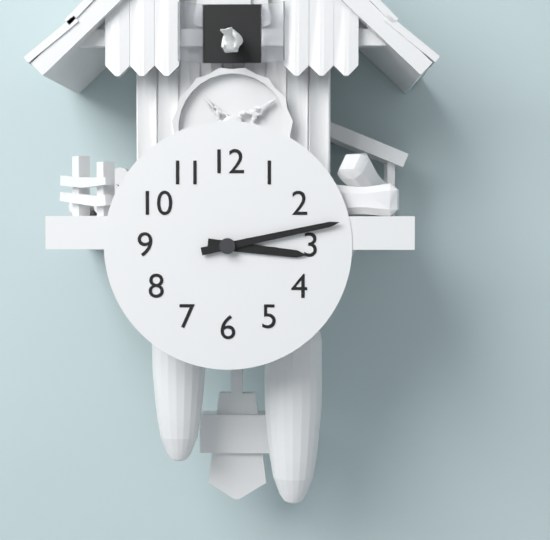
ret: {"hour": 3, "minute": 13}
